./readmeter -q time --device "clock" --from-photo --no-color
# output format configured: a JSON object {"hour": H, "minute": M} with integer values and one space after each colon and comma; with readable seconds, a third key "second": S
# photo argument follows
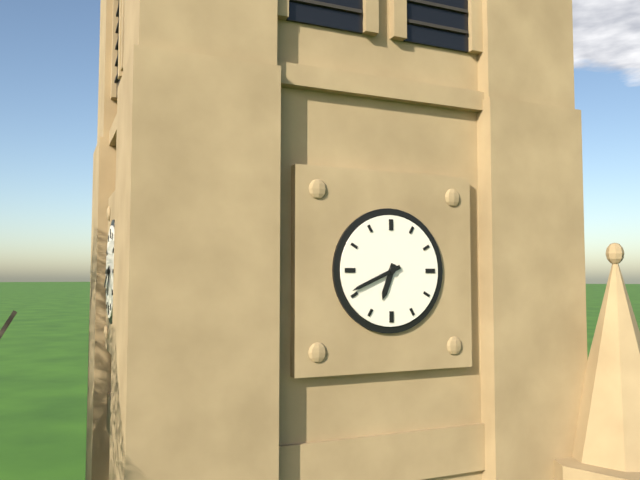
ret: {"hour": 6, "minute": 41}
